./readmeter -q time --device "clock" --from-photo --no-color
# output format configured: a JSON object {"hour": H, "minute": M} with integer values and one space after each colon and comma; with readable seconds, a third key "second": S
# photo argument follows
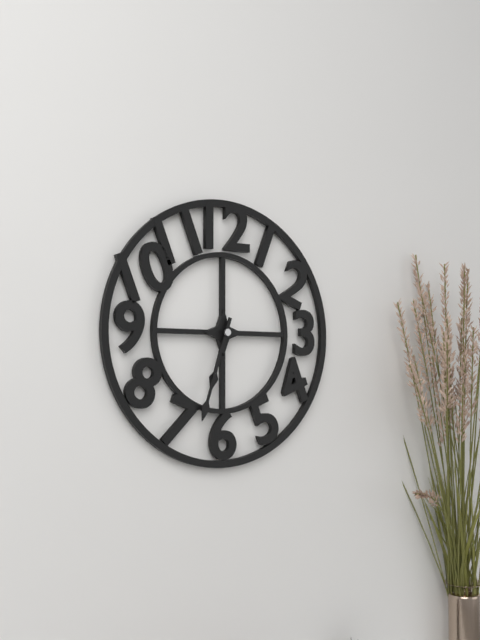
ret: {"hour": 6, "minute": 33}
